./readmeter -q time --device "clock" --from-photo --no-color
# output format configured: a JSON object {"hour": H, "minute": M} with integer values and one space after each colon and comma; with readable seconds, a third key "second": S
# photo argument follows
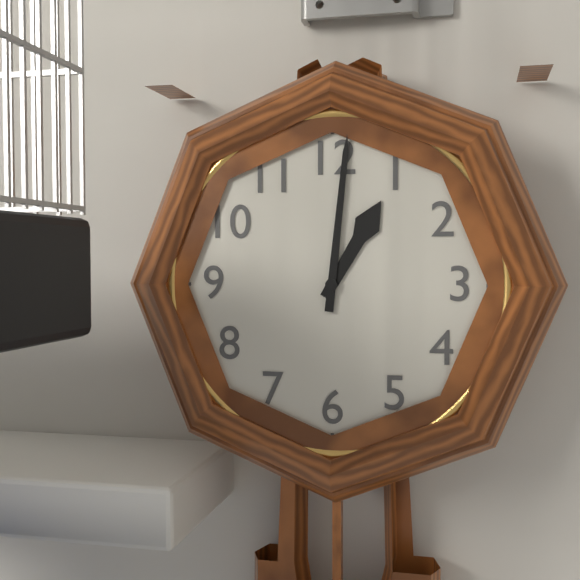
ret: {"hour": 1, "minute": 1}
